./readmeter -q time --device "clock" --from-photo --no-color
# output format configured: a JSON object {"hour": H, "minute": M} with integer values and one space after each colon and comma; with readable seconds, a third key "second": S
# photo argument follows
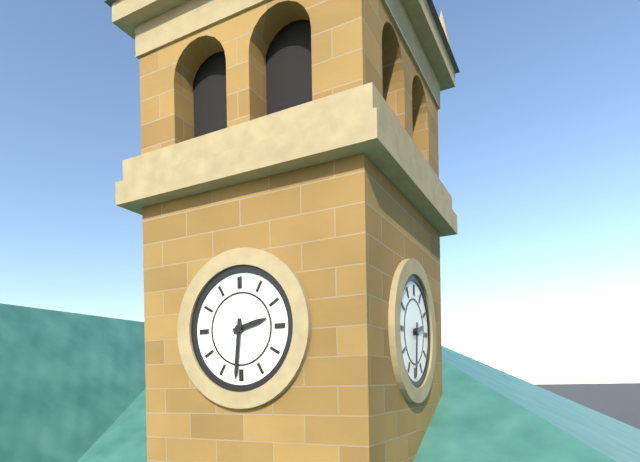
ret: {"hour": 2, "minute": 31}
